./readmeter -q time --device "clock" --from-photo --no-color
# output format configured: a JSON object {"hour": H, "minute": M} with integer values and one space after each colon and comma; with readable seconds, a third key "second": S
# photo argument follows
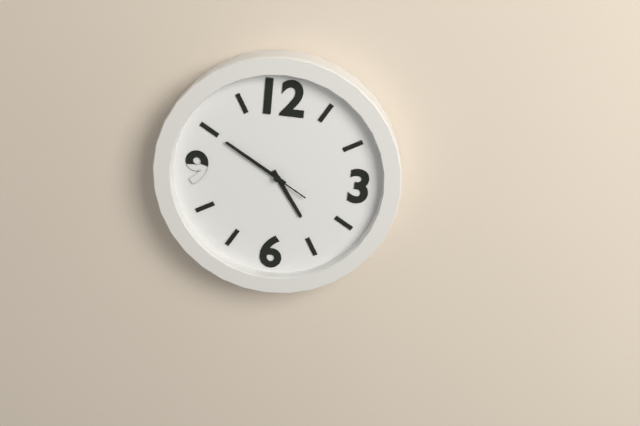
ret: {"hour": 4, "minute": 50, "second": 50}
